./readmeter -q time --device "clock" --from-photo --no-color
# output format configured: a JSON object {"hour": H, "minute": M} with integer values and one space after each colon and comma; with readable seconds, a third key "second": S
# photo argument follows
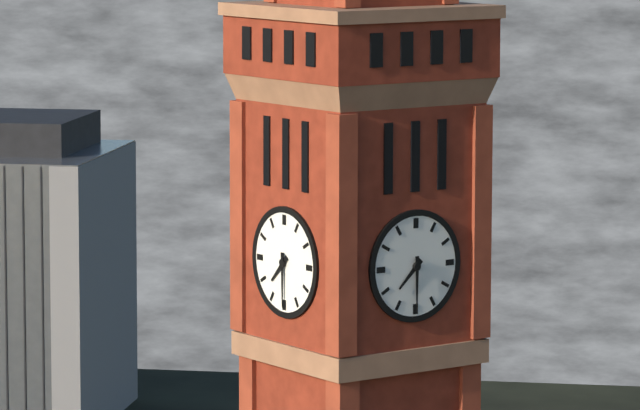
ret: {"hour": 7, "minute": 30}
